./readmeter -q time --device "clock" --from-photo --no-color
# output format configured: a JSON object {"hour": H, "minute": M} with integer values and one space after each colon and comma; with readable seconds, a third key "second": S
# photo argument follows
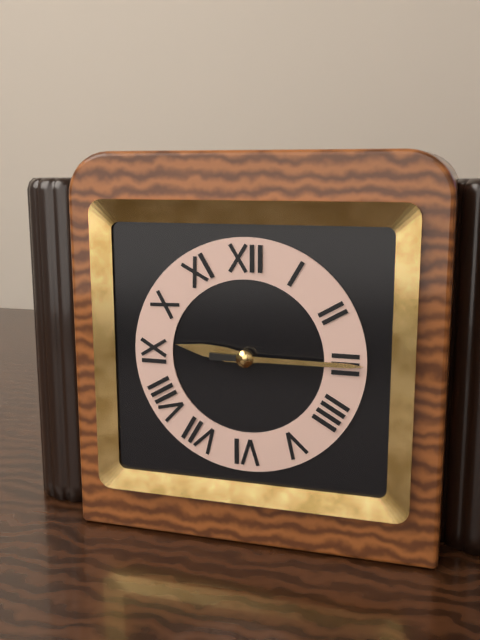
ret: {"hour": 9, "minute": 15}
